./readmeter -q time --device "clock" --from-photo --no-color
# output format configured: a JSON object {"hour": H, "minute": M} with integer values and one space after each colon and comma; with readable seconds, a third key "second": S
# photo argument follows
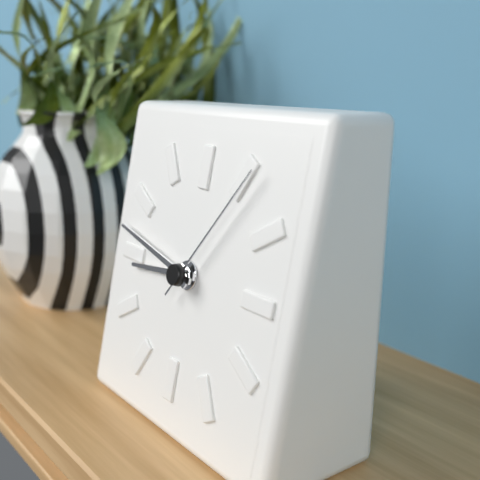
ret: {"hour": 8, "minute": 47, "second": 6}
